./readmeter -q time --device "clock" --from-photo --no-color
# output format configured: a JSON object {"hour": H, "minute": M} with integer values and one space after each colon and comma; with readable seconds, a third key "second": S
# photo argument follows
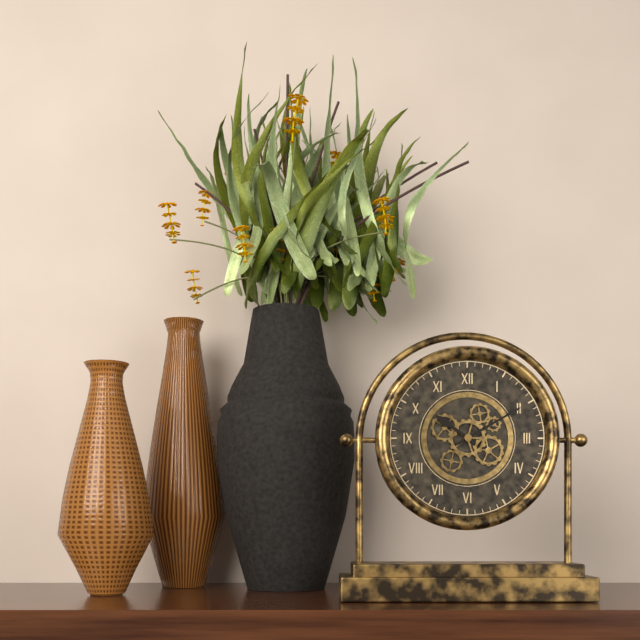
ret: {"hour": 10, "minute": 10}
